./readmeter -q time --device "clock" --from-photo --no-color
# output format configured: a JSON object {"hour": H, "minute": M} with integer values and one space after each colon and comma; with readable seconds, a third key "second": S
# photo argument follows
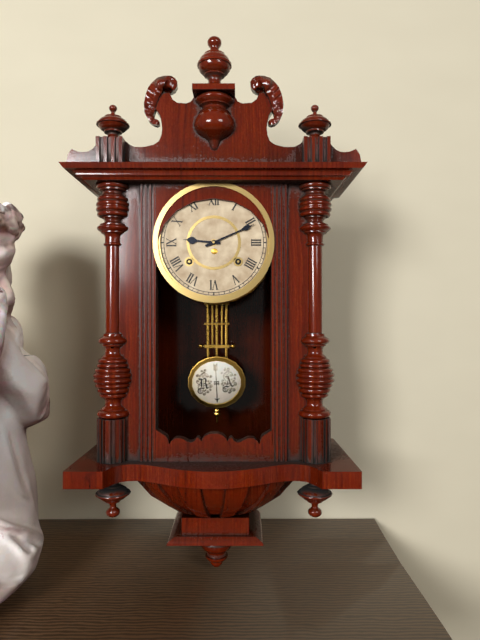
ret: {"hour": 9, "minute": 11}
